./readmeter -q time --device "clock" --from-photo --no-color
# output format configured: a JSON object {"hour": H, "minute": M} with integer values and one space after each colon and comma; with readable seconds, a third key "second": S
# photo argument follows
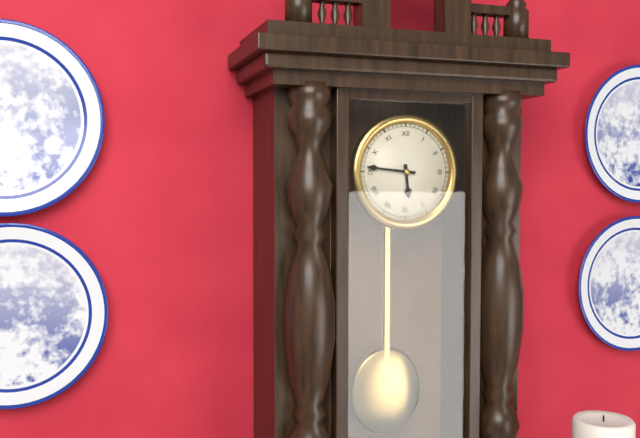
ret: {"hour": 5, "minute": 46}
